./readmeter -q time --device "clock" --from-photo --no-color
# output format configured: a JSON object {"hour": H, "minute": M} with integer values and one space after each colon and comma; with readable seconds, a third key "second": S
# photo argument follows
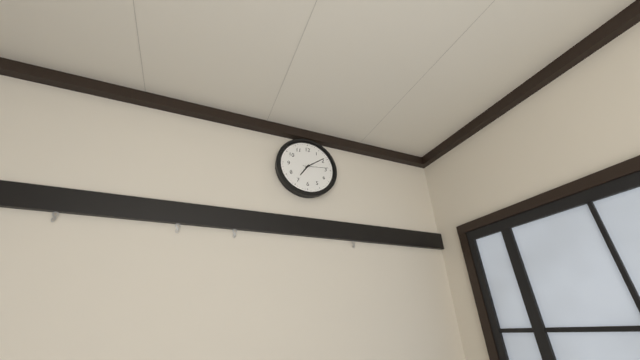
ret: {"hour": 7, "minute": 9}
